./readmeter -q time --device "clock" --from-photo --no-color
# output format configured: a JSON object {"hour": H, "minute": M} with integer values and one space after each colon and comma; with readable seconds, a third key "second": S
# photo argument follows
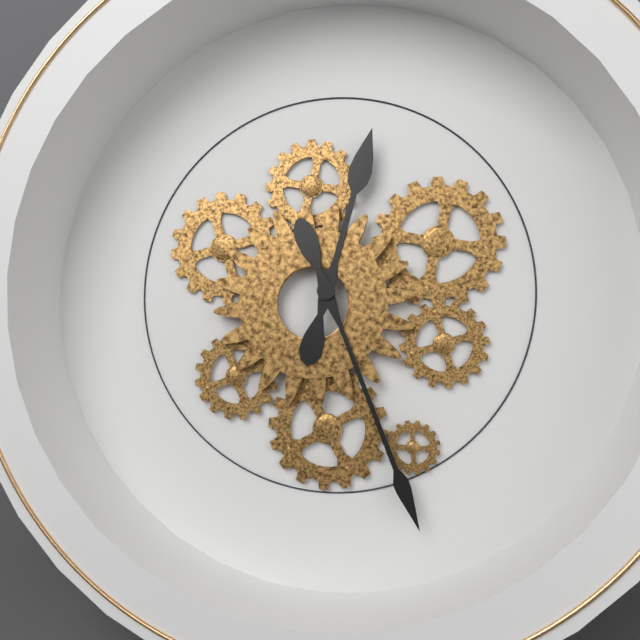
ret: {"hour": 12, "minute": 26}
